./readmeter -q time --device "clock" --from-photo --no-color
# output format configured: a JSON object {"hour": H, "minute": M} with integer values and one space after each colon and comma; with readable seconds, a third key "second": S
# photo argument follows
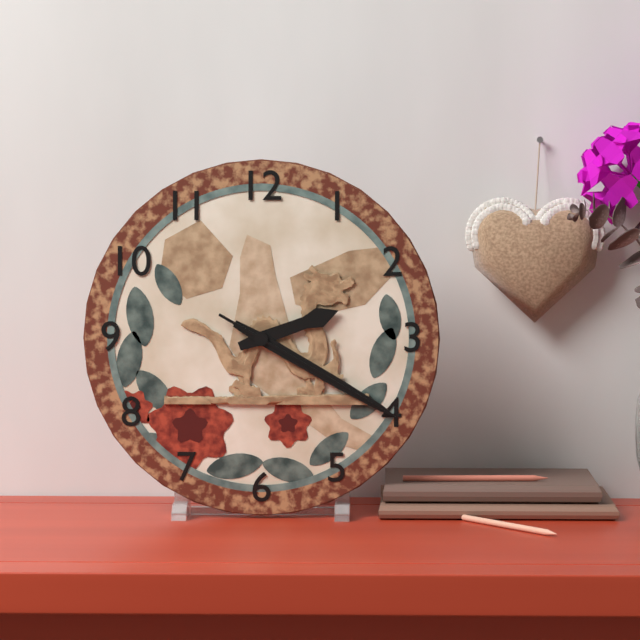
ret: {"hour": 2, "minute": 20, "second": 20}
